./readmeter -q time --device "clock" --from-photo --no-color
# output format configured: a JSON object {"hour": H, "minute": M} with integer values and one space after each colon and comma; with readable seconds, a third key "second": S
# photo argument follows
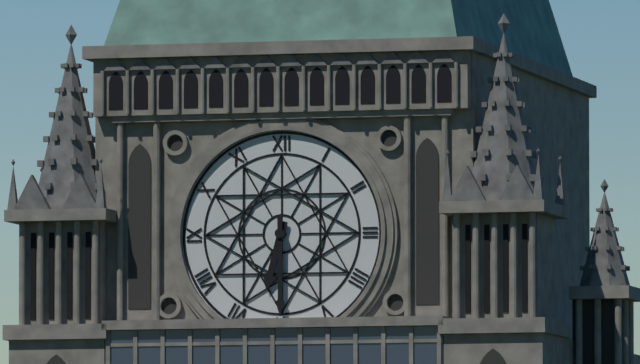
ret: {"hour": 6, "minute": 30}
